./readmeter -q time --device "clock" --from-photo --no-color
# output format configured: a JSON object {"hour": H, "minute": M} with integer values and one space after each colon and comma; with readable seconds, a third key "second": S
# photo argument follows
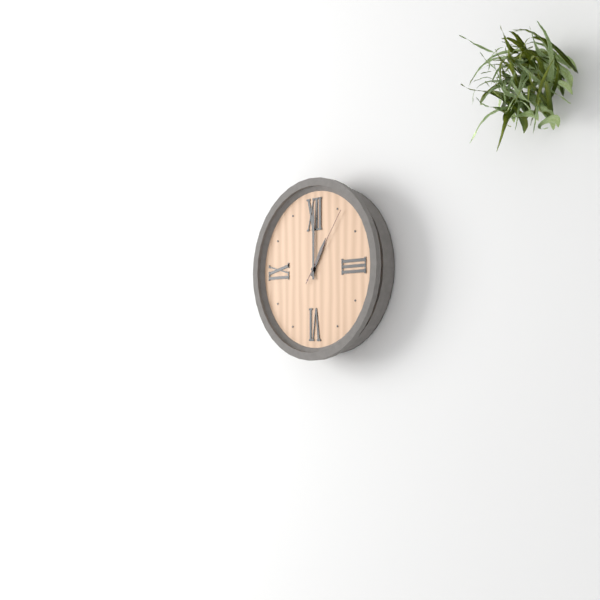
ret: {"hour": 1, "minute": 0, "second": 6}
